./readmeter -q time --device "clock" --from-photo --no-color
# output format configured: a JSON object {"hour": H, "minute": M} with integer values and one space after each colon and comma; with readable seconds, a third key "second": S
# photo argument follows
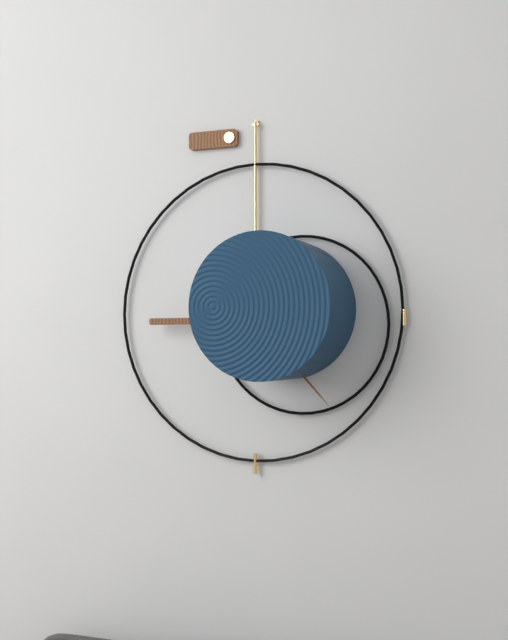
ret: {"hour": 4, "minute": 23}
